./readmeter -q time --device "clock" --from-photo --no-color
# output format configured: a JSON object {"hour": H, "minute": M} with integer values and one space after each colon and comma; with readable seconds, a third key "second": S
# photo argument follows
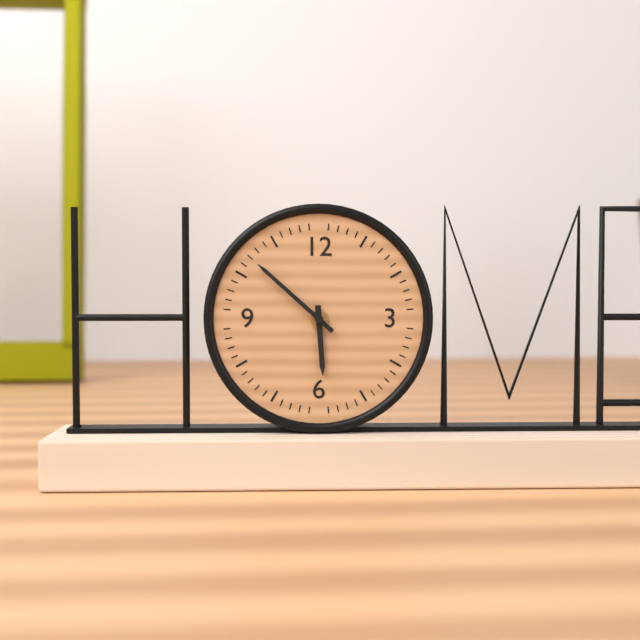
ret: {"hour": 5, "minute": 52}
